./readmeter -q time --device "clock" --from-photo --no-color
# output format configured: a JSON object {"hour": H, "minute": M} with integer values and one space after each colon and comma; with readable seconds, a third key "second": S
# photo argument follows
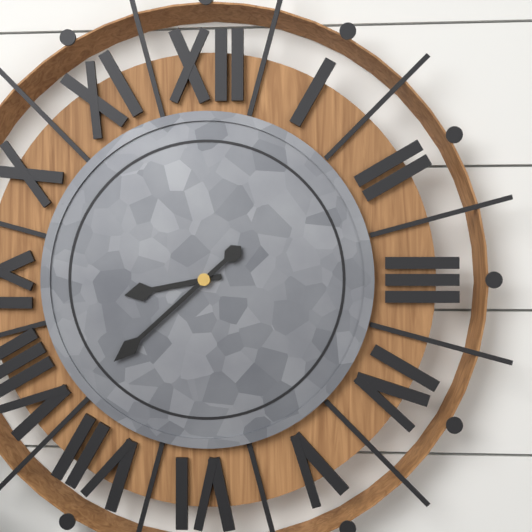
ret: {"hour": 8, "minute": 38}
